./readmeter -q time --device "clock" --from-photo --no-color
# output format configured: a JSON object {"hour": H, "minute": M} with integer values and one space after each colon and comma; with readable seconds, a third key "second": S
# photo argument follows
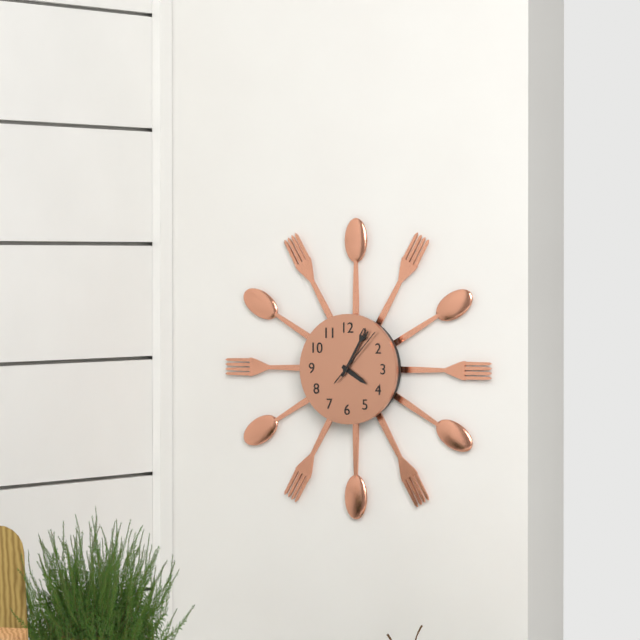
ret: {"hour": 4, "minute": 5}
